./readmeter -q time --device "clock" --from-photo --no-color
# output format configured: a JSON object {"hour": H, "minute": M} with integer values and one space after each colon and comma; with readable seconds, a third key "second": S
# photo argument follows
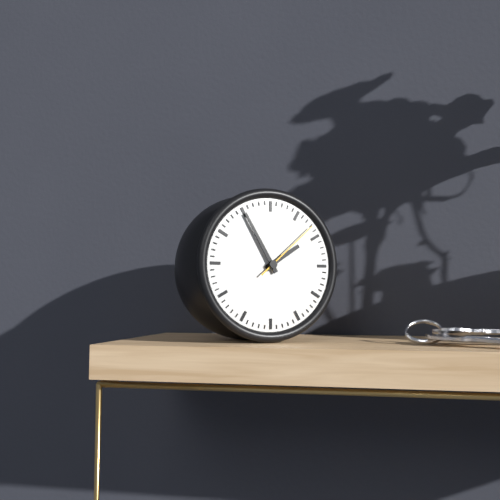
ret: {"hour": 1, "minute": 55, "second": 8}
